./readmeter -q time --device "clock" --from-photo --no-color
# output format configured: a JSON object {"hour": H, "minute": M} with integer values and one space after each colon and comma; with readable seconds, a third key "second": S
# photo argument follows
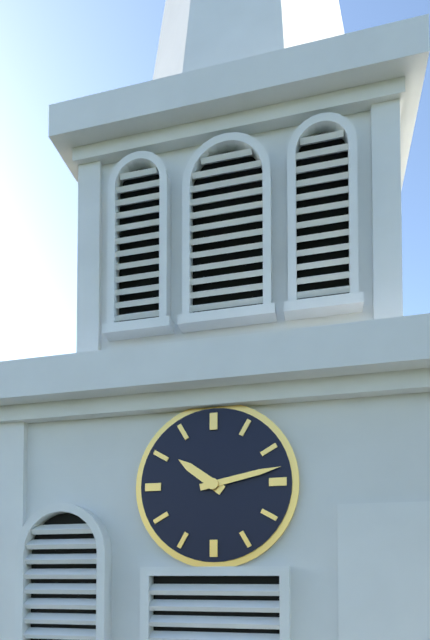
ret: {"hour": 10, "minute": 13}
